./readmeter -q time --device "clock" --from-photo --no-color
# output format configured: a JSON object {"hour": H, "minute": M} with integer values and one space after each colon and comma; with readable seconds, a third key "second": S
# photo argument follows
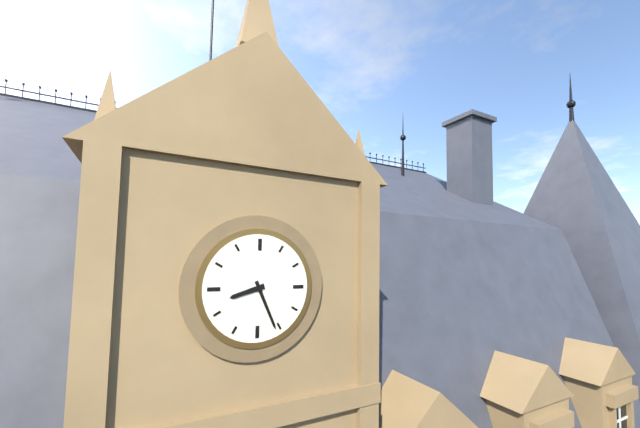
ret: {"hour": 8, "minute": 26}
